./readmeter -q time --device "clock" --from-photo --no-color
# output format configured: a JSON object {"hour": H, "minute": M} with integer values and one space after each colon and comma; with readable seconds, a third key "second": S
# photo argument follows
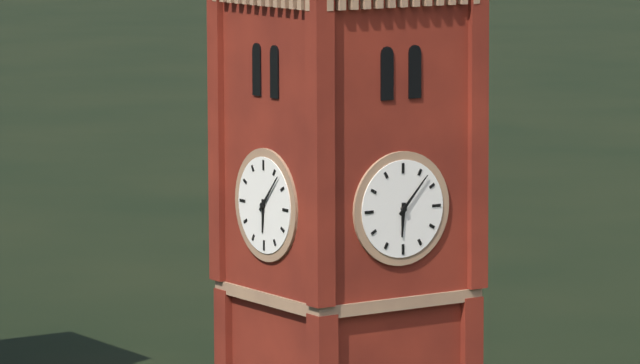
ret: {"hour": 6, "minute": 7}
